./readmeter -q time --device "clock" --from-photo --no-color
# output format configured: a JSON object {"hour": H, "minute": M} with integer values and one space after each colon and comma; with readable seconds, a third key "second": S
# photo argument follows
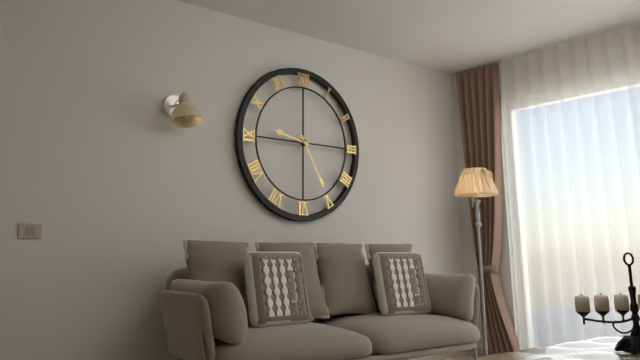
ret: {"hour": 9, "minute": 25}
